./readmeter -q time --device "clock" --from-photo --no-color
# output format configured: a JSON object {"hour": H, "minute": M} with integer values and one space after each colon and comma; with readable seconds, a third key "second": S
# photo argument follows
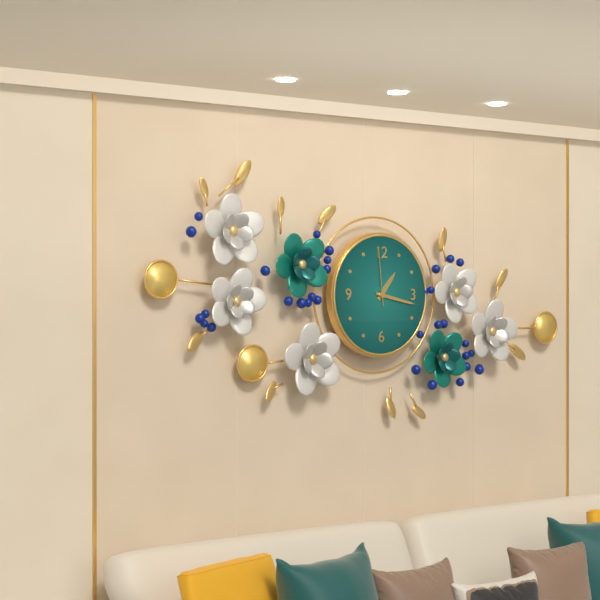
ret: {"hour": 1, "minute": 17, "second": 59}
